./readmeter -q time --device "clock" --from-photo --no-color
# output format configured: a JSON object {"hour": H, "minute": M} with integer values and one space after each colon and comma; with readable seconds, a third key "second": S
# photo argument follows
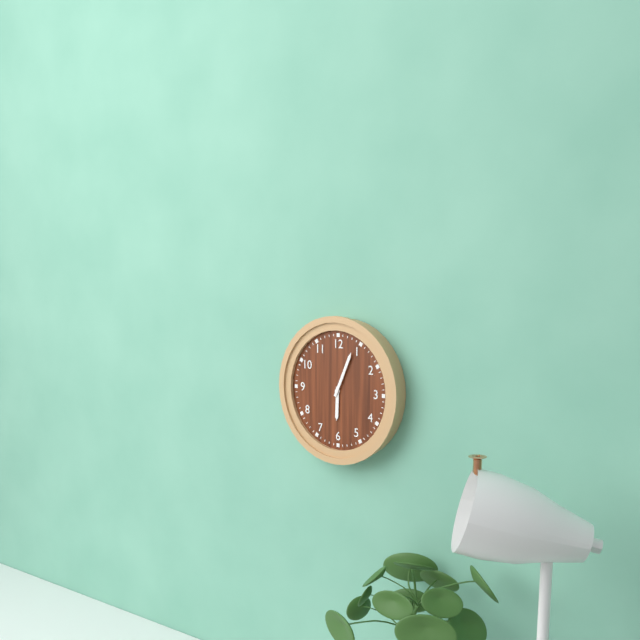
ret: {"hour": 6, "minute": 4}
